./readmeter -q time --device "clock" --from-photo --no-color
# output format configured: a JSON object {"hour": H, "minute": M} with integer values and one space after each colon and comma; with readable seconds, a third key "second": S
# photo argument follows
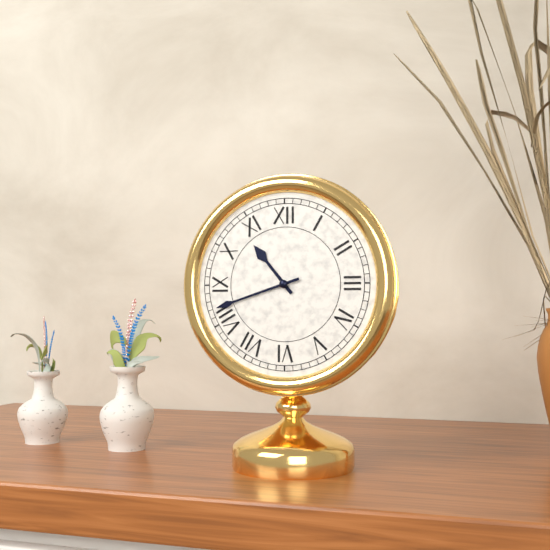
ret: {"hour": 10, "minute": 42}
